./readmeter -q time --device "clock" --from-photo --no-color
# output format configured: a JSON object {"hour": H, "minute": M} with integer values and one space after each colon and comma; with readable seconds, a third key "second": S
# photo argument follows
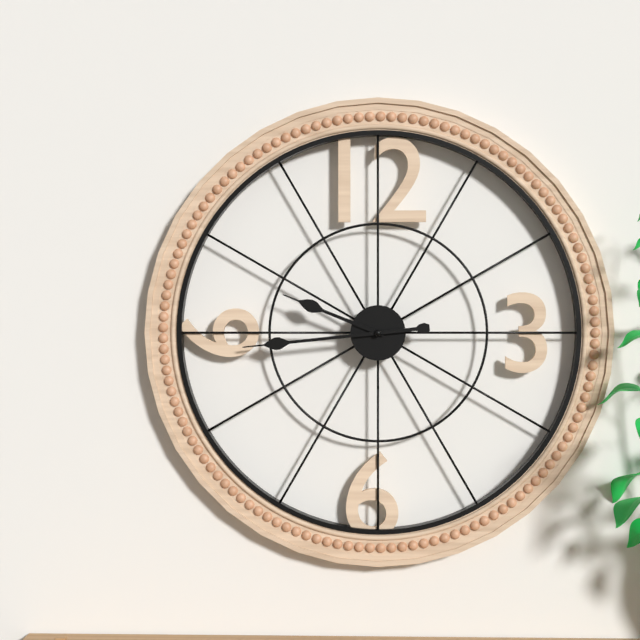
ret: {"hour": 9, "minute": 44}
